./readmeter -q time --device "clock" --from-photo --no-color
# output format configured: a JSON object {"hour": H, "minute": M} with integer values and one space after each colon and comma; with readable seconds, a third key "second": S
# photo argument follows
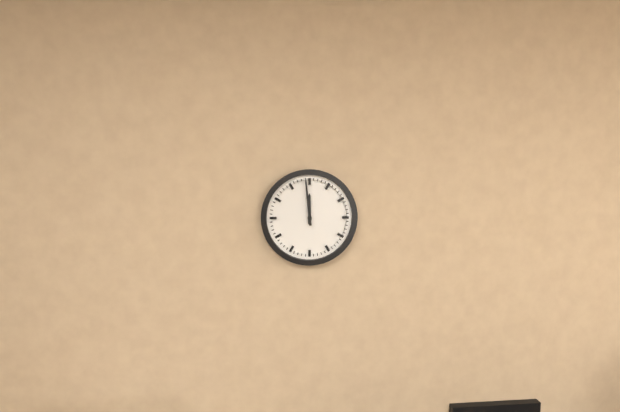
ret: {"hour": 11, "minute": 59}
